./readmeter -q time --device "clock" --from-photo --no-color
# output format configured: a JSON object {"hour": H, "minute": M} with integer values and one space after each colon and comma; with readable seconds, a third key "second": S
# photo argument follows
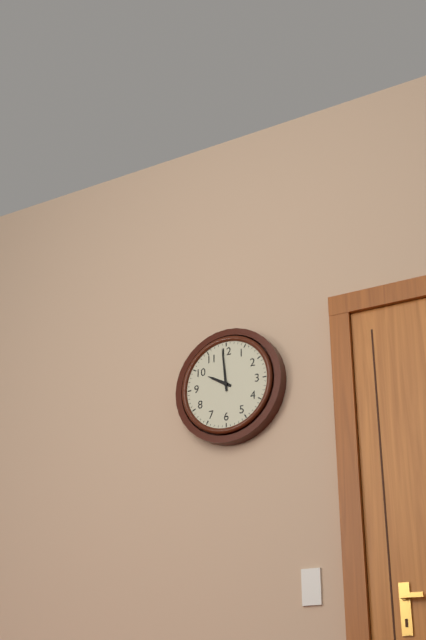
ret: {"hour": 9, "minute": 59}
